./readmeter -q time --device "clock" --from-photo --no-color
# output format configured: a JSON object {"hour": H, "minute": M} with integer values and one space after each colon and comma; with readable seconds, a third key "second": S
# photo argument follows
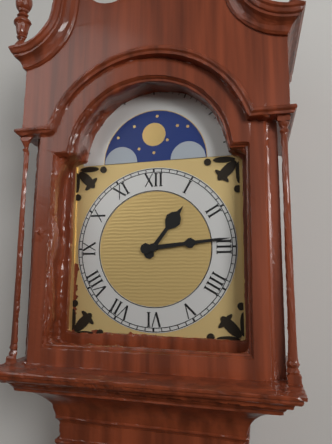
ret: {"hour": 1, "minute": 14}
